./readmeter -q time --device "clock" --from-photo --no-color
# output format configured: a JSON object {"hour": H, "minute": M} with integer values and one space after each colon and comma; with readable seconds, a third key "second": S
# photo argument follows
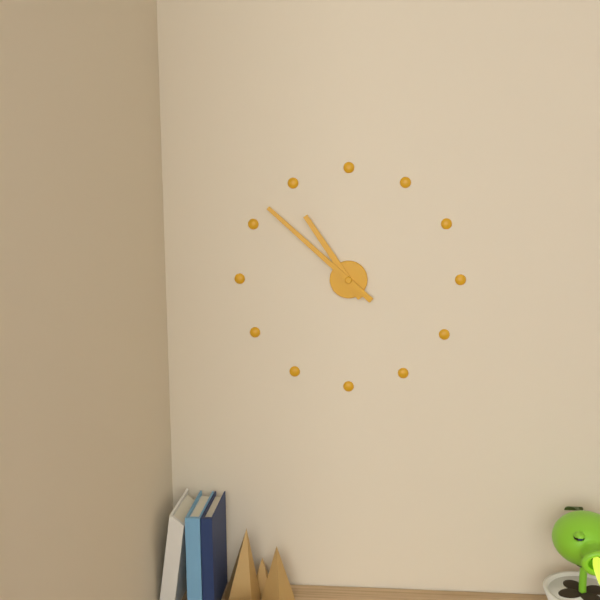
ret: {"hour": 10, "minute": 52}
